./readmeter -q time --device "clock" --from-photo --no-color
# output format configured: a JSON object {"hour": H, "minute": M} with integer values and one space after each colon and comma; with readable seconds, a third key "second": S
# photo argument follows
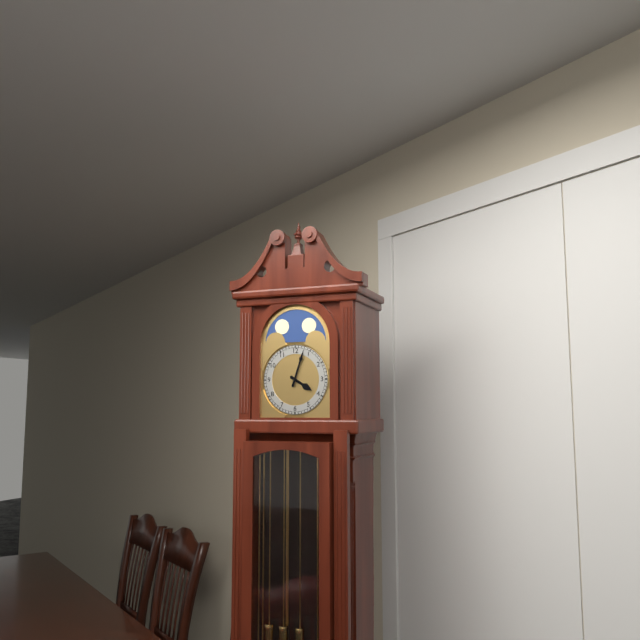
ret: {"hour": 4, "minute": 3}
